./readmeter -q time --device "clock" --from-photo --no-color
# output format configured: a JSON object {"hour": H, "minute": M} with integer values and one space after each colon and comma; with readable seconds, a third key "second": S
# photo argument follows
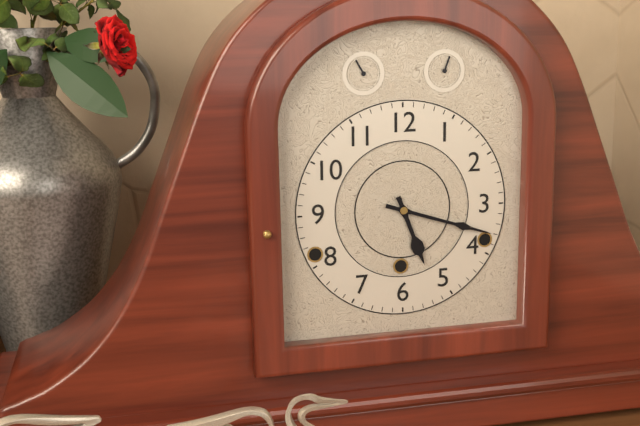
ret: {"hour": 5, "minute": 18}
